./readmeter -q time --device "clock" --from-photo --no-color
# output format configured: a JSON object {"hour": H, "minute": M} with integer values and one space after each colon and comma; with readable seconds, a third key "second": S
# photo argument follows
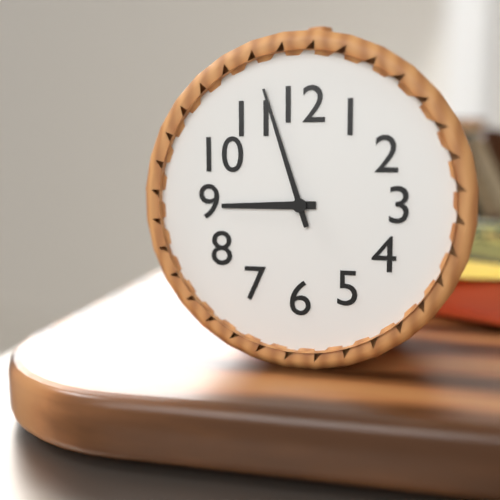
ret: {"hour": 8, "minute": 57}
